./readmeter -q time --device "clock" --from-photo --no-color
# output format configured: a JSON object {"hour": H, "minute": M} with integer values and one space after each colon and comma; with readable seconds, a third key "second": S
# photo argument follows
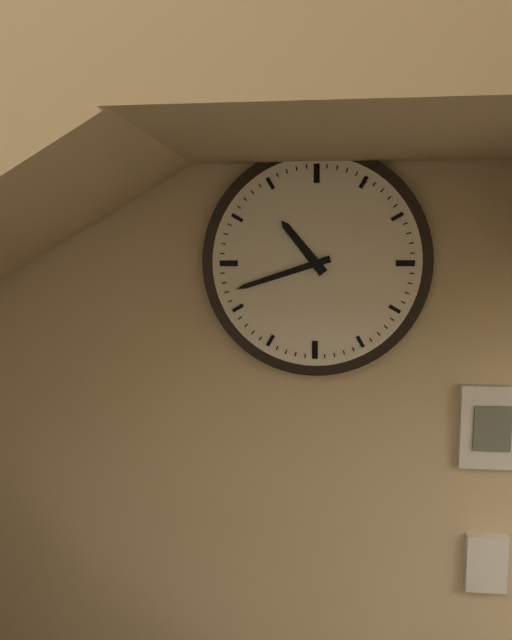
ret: {"hour": 10, "minute": 42}
